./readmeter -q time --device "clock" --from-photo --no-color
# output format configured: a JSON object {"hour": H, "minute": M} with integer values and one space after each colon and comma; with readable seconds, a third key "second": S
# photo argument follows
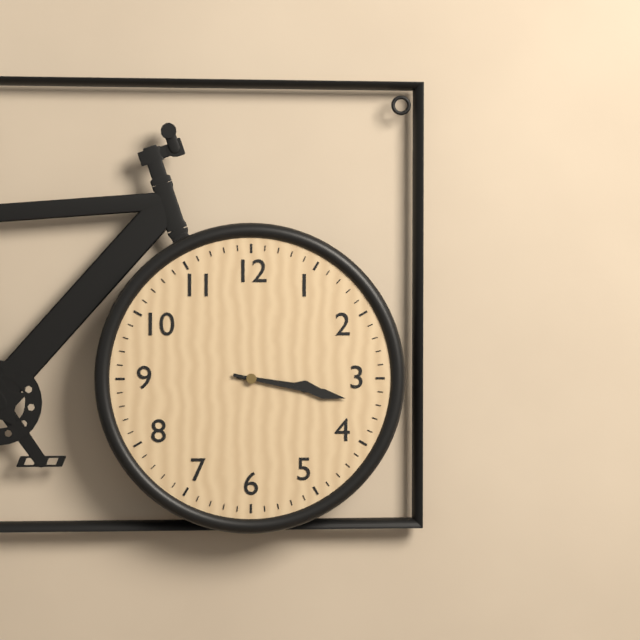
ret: {"hour": 3, "minute": 17}
